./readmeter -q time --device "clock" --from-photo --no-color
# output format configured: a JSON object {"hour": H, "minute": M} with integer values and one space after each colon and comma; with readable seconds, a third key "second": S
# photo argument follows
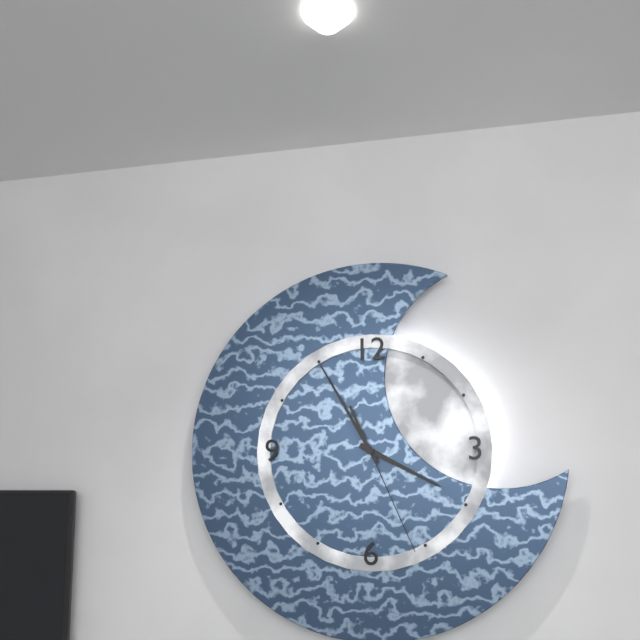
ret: {"hour": 3, "minute": 55, "second": 26}
